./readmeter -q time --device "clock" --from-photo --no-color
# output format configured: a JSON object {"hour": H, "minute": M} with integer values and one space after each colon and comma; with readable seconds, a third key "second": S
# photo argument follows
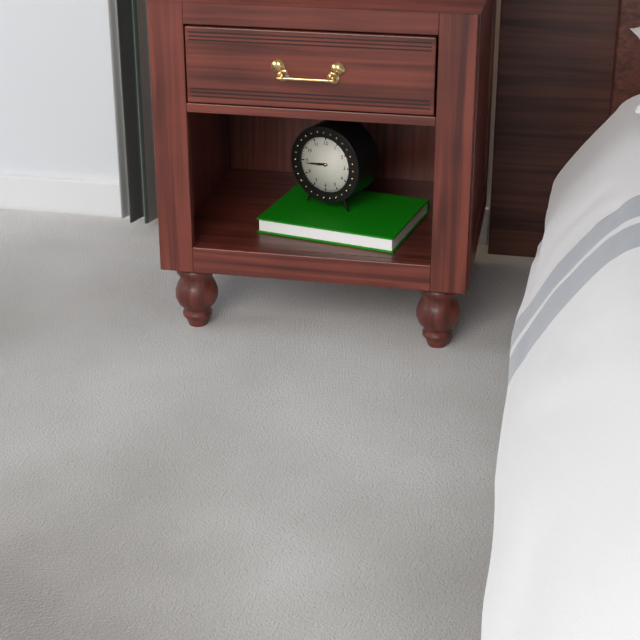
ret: {"hour": 8, "minute": 44}
